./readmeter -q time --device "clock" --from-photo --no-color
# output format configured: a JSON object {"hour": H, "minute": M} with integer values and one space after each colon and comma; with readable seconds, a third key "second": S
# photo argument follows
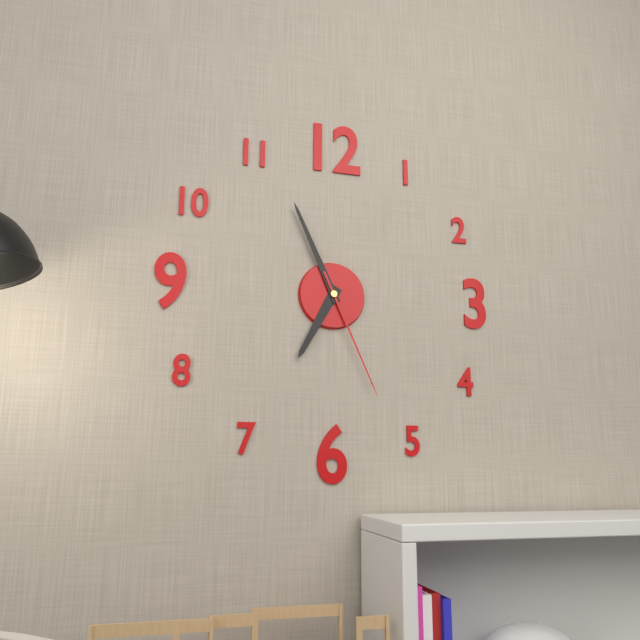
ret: {"hour": 6, "minute": 56, "second": 26}
